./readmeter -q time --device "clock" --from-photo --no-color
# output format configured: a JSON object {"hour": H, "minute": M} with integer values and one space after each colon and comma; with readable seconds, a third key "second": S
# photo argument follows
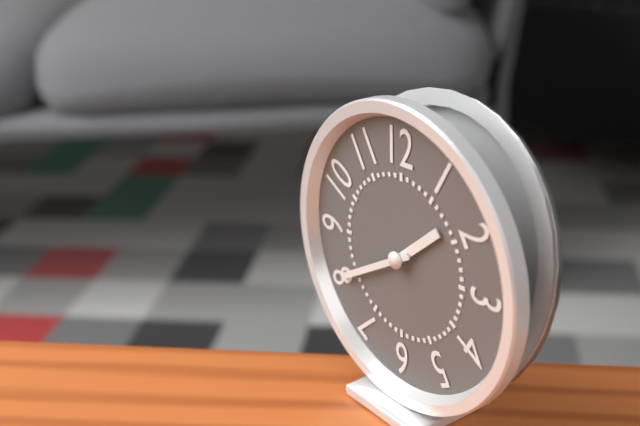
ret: {"hour": 1, "minute": 40}
